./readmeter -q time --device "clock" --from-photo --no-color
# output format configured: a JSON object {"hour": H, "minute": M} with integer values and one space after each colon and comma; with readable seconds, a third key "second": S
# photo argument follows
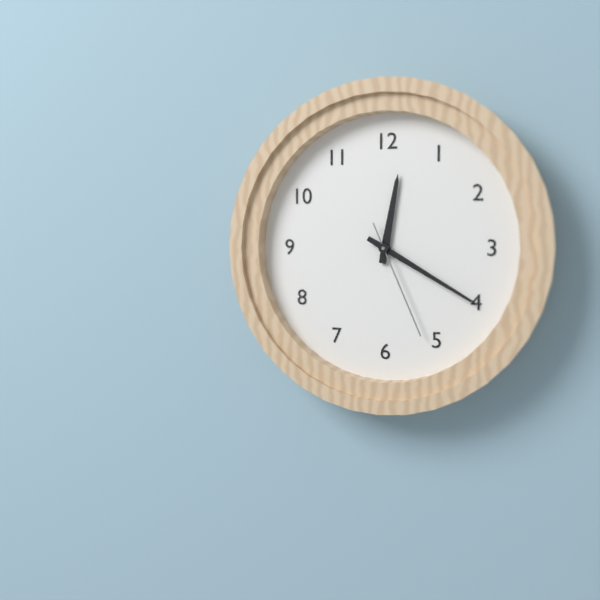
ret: {"hour": 12, "minute": 20, "second": 26}
